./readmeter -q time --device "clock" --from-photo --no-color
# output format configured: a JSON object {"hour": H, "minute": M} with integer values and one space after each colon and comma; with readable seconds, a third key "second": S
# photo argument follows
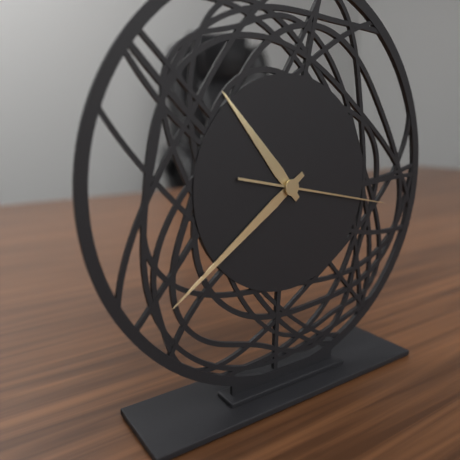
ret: {"hour": 10, "minute": 39, "second": 17}
